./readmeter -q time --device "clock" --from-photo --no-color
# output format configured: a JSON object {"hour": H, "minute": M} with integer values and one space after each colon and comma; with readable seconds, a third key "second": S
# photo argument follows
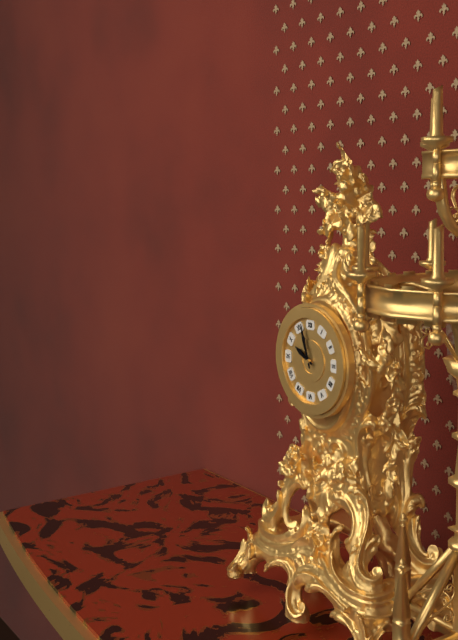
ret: {"hour": 9, "minute": 57}
